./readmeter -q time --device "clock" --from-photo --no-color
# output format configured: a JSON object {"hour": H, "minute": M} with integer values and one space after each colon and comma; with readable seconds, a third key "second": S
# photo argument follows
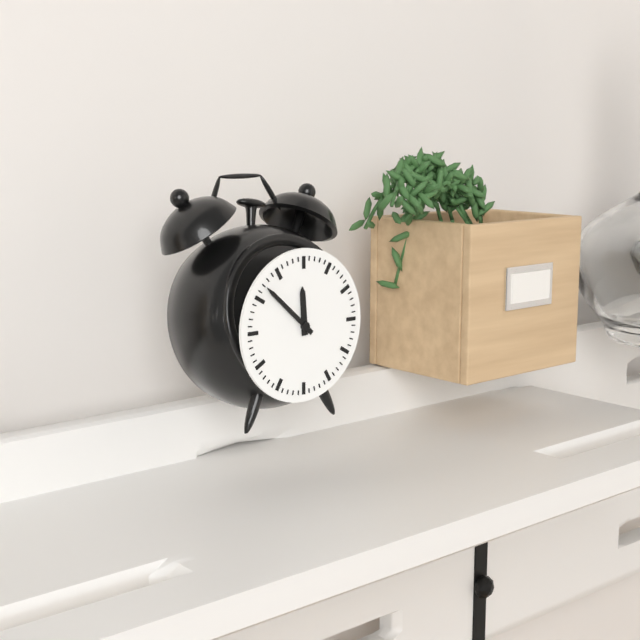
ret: {"hour": 11, "minute": 52}
